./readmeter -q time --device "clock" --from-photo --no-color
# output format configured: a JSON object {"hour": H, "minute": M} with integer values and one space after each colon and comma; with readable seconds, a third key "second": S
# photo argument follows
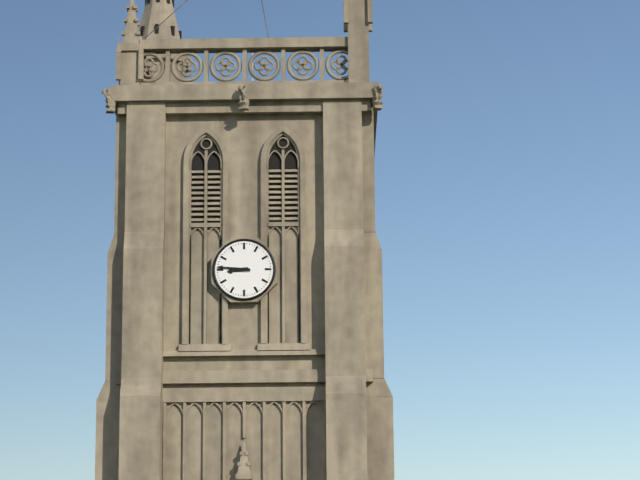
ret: {"hour": 8, "minute": 46}
